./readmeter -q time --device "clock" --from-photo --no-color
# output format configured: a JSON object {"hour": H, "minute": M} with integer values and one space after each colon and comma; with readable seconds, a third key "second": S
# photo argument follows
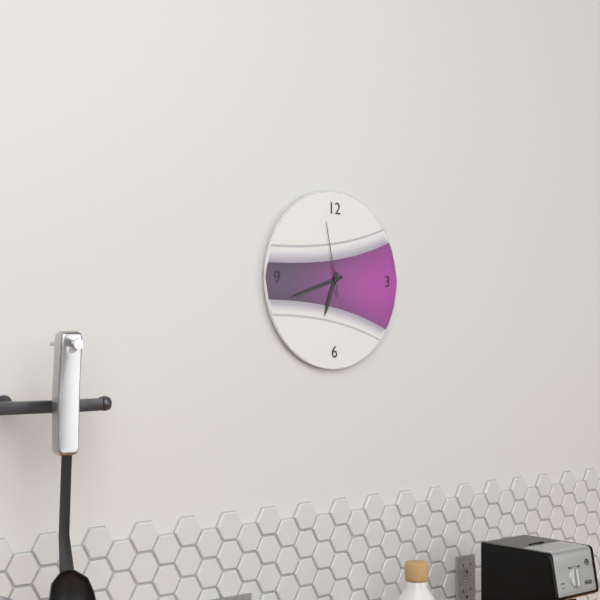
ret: {"hour": 6, "minute": 42, "second": 58}
